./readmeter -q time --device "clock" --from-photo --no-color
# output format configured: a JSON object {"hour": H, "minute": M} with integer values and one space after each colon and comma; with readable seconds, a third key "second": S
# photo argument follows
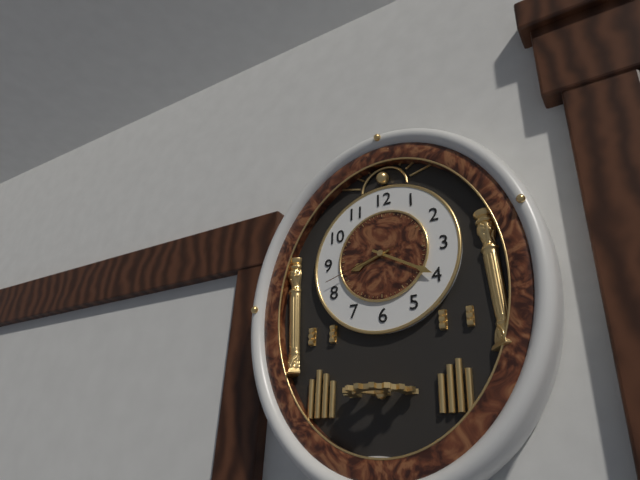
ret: {"hour": 8, "minute": 20, "second": 42}
